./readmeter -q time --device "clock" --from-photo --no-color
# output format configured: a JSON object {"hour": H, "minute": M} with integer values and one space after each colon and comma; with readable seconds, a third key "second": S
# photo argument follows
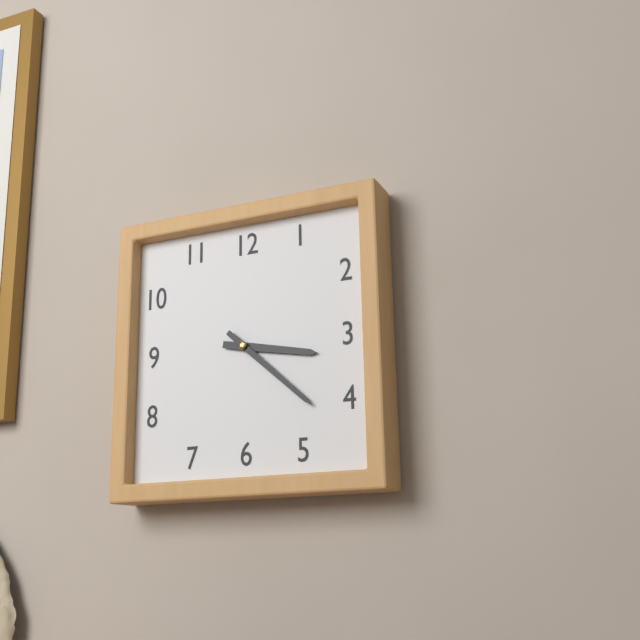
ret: {"hour": 3, "minute": 22}
